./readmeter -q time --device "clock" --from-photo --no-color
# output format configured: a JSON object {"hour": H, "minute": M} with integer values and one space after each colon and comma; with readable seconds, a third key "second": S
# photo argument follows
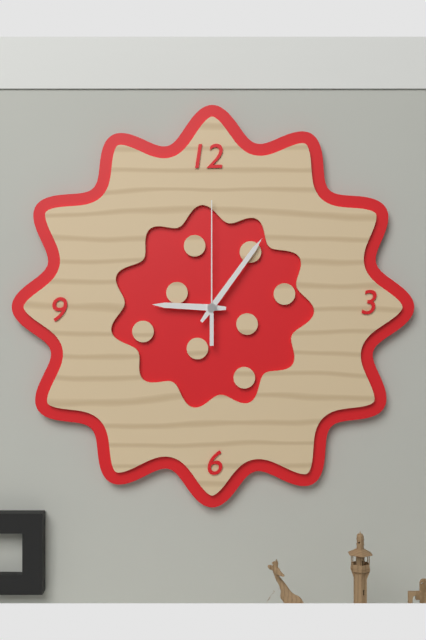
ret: {"hour": 9, "minute": 6, "second": 0}
